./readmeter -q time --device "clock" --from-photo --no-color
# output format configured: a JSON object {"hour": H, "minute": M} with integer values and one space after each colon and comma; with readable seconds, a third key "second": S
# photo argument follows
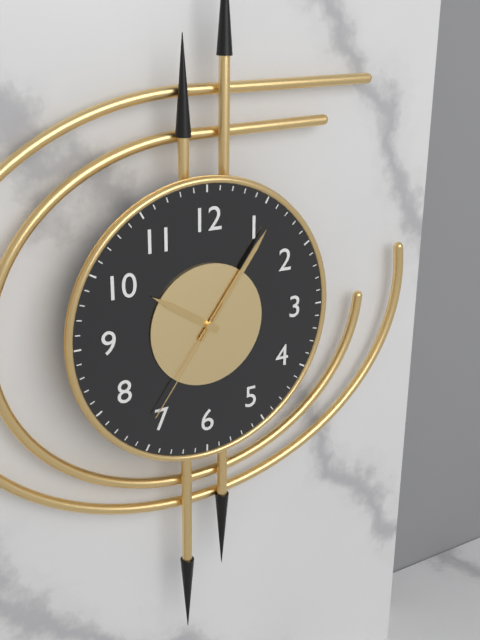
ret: {"hour": 10, "minute": 6, "second": 36}
